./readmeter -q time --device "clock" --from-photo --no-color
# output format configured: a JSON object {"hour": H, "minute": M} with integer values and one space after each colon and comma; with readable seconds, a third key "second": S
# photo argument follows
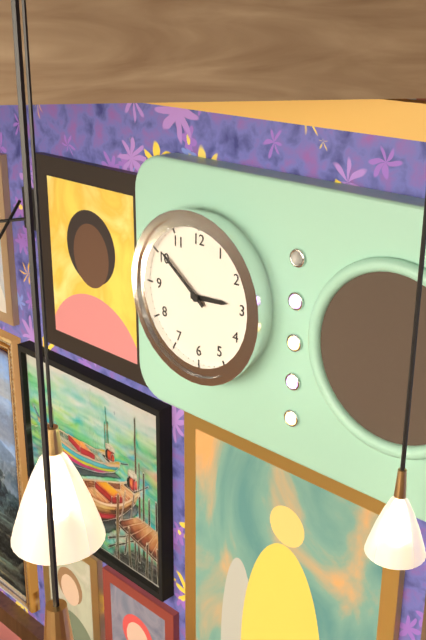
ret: {"hour": 2, "minute": 51}
